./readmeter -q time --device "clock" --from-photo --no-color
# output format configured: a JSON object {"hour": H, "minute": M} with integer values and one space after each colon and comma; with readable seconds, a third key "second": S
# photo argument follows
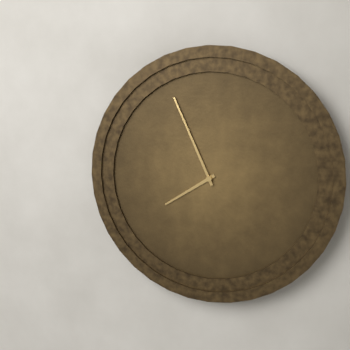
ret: {"hour": 7, "minute": 56}
